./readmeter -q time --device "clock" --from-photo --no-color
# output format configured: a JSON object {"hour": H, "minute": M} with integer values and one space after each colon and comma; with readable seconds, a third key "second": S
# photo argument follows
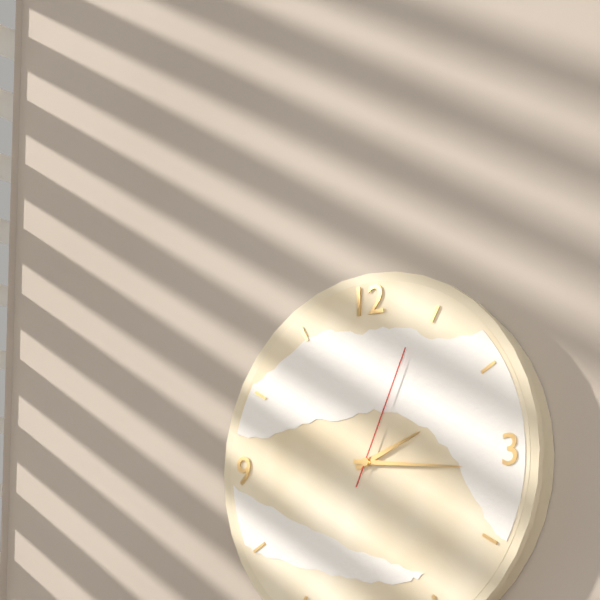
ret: {"hour": 2, "minute": 16, "second": 4}
